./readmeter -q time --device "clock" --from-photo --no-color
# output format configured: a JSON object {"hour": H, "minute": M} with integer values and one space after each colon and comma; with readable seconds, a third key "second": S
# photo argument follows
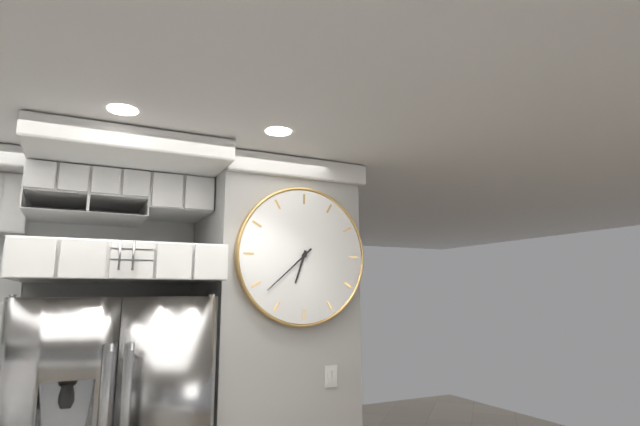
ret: {"hour": 6, "minute": 38}
